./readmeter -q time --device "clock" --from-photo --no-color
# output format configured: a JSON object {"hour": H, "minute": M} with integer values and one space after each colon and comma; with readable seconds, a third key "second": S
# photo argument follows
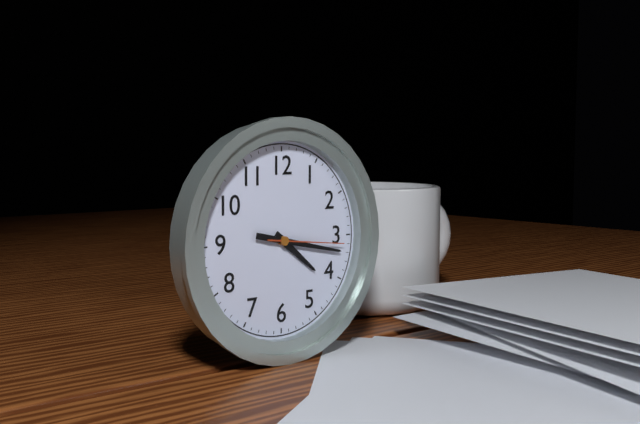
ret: {"hour": 4, "minute": 17, "second": 16}
